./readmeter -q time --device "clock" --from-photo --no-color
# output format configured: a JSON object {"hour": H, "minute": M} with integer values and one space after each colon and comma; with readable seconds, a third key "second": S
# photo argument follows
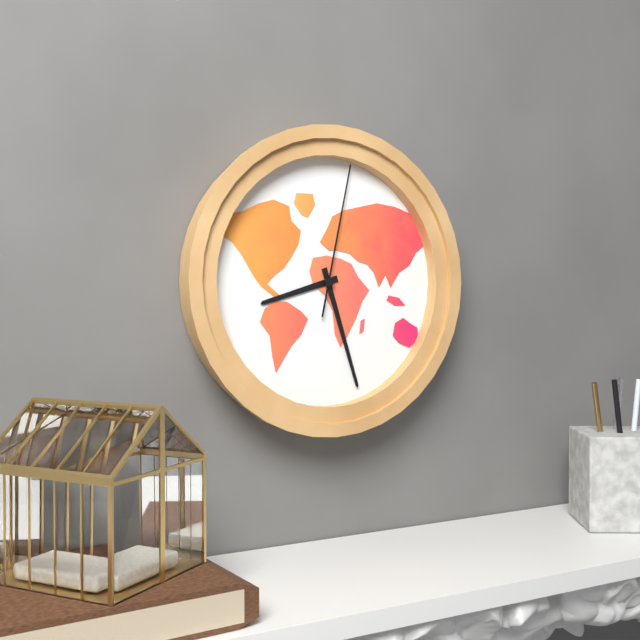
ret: {"hour": 8, "minute": 27, "second": 2}
